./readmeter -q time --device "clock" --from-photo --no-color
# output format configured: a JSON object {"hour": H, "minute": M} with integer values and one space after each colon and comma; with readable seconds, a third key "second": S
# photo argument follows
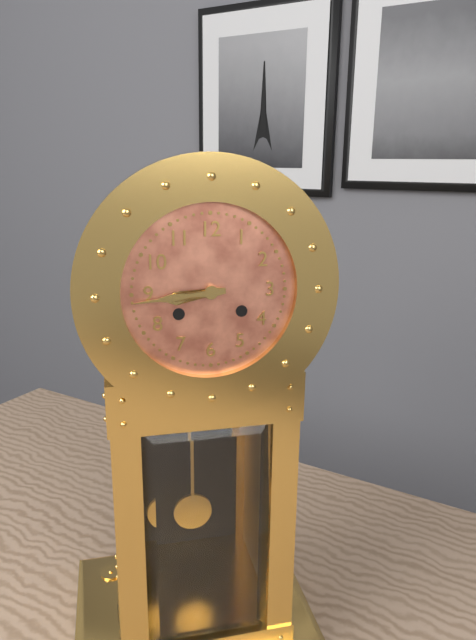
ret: {"hour": 8, "minute": 44}
